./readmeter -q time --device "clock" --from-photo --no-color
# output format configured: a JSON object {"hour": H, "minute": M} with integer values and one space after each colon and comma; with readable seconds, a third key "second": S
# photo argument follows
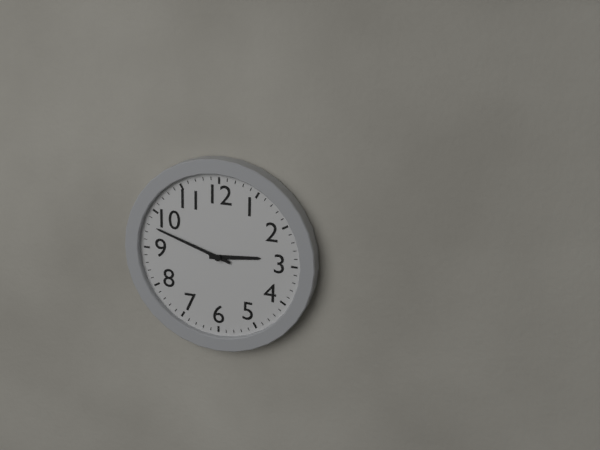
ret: {"hour": 2, "minute": 48}
